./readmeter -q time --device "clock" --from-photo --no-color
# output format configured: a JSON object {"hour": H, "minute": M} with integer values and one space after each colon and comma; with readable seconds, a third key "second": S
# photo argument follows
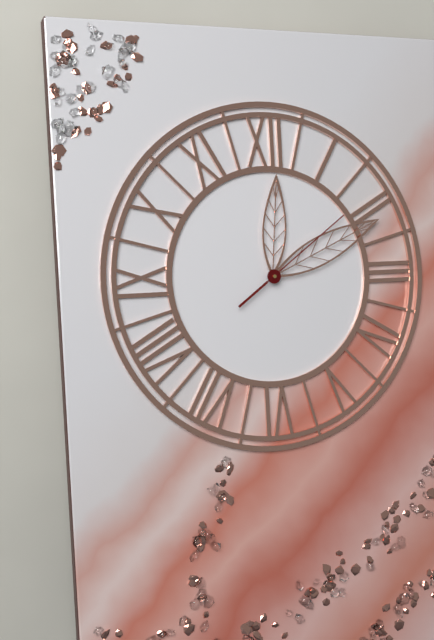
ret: {"hour": 12, "minute": 11, "second": 9}
